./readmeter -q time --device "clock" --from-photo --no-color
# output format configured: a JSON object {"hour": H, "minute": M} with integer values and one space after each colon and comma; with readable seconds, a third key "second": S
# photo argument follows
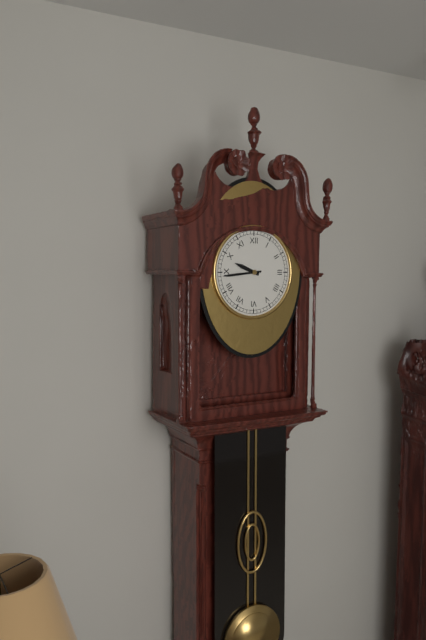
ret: {"hour": 9, "minute": 44}
